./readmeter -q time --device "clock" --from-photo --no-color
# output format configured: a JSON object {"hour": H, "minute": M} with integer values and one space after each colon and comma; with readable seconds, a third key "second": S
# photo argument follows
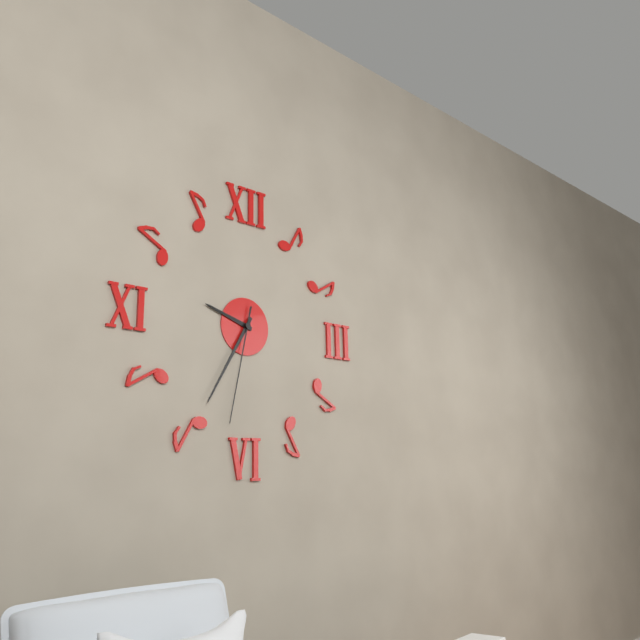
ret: {"hour": 9, "minute": 35, "second": 32}
